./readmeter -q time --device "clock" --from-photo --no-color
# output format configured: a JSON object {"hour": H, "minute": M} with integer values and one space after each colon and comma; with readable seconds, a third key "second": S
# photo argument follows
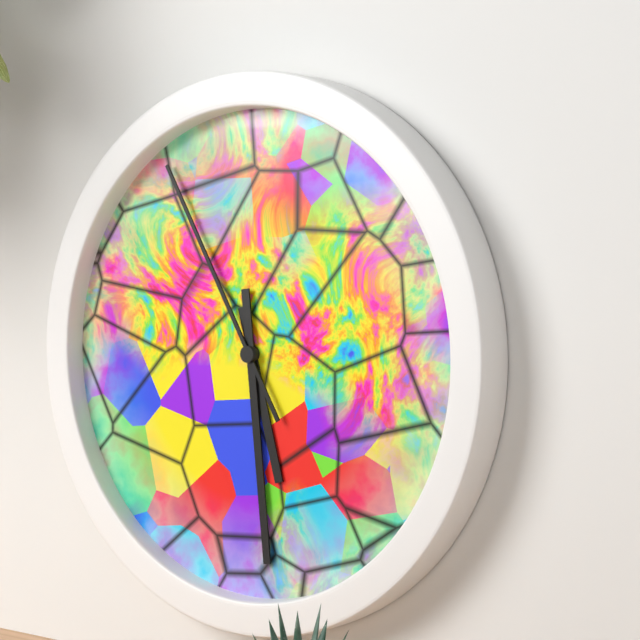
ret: {"hour": 5, "minute": 29, "second": 55}
